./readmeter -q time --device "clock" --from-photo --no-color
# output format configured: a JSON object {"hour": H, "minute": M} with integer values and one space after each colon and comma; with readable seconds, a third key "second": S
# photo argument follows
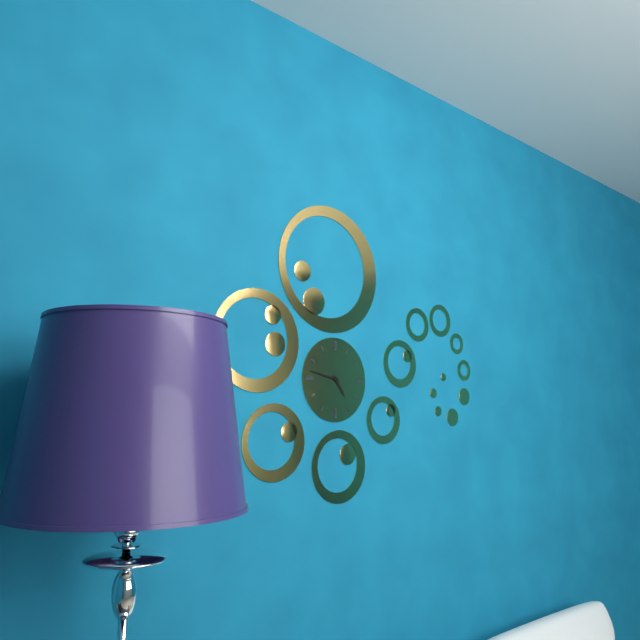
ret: {"hour": 4, "minute": 47}
